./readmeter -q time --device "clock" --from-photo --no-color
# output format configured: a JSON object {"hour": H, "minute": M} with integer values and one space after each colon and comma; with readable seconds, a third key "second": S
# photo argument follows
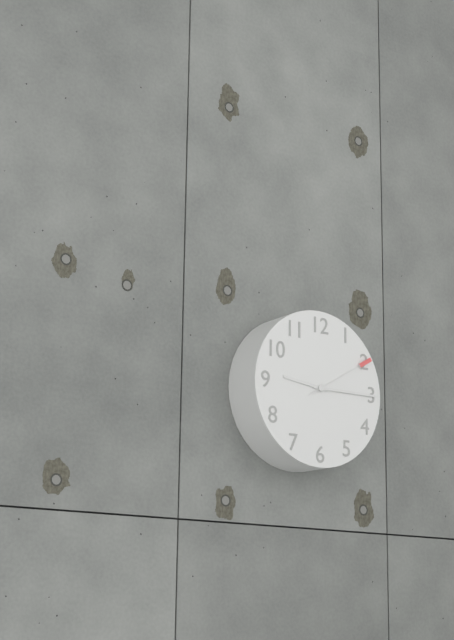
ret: {"hour": 9, "minute": 15, "second": 10}
